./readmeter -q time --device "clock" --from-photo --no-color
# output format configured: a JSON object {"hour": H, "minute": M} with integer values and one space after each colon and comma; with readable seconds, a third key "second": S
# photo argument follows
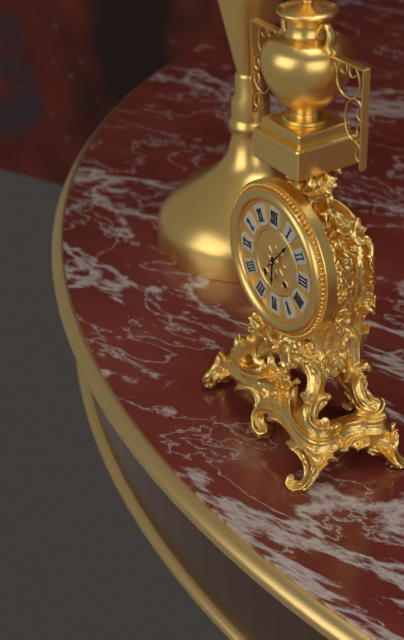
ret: {"hour": 6, "minute": 7}
